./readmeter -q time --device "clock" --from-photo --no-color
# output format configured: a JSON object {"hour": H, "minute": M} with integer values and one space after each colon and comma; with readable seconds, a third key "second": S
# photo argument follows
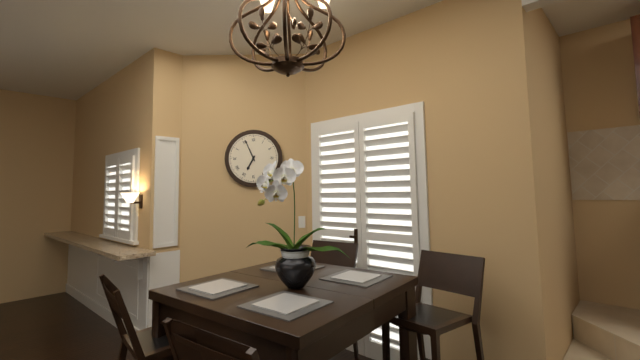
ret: {"hour": 6, "minute": 56}
